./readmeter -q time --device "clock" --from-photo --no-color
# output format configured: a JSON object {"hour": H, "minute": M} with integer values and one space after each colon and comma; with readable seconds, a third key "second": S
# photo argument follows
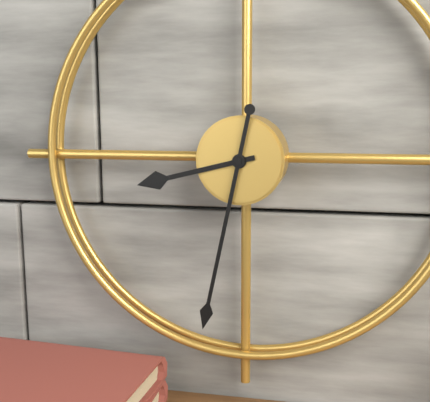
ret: {"hour": 8, "minute": 32}
